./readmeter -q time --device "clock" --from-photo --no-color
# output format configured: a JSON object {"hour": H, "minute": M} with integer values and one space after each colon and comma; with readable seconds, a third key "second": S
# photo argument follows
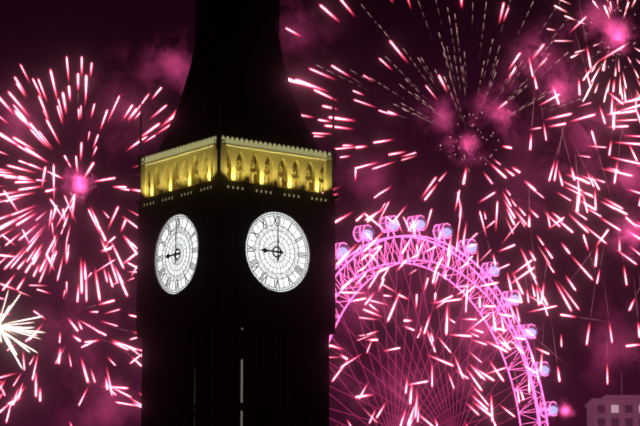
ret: {"hour": 9, "minute": 0}
